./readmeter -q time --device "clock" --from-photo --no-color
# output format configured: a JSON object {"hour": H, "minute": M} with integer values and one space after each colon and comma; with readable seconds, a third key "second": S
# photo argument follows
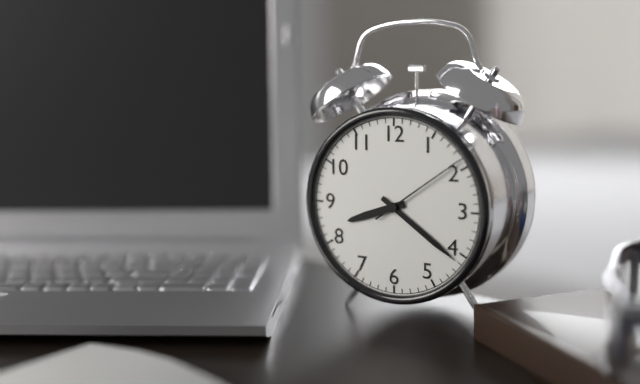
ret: {"hour": 8, "minute": 21, "second": 9}
